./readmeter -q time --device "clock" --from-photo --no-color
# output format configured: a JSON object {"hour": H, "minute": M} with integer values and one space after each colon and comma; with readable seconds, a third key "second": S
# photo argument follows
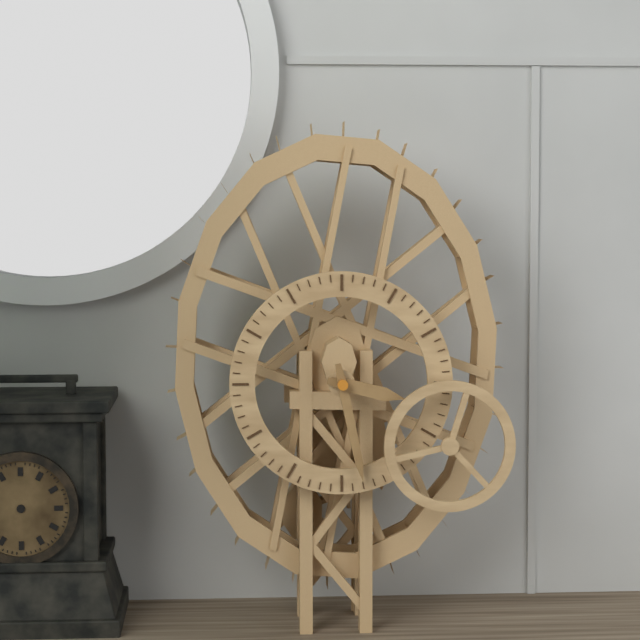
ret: {"hour": 3, "minute": 28}
